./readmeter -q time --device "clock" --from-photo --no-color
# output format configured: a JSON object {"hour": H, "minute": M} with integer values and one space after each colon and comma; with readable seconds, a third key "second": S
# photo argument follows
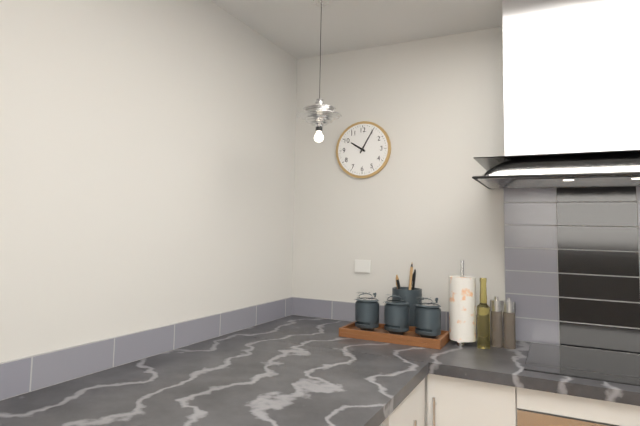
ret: {"hour": 10, "minute": 5}
